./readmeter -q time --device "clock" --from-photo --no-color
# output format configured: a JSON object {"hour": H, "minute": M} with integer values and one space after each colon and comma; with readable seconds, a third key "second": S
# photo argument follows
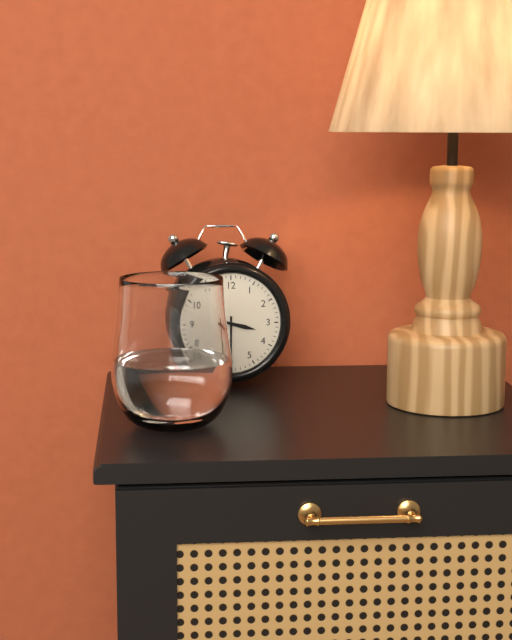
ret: {"hour": 3, "minute": 30}
